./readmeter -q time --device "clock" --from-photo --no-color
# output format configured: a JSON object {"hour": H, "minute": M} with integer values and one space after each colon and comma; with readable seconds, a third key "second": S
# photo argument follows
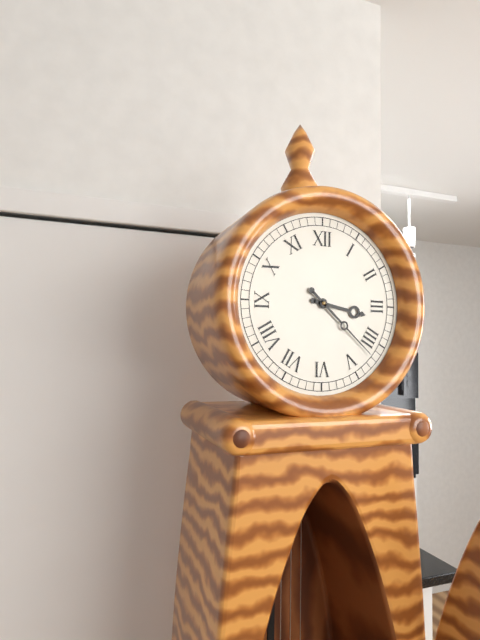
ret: {"hour": 3, "minute": 22}
